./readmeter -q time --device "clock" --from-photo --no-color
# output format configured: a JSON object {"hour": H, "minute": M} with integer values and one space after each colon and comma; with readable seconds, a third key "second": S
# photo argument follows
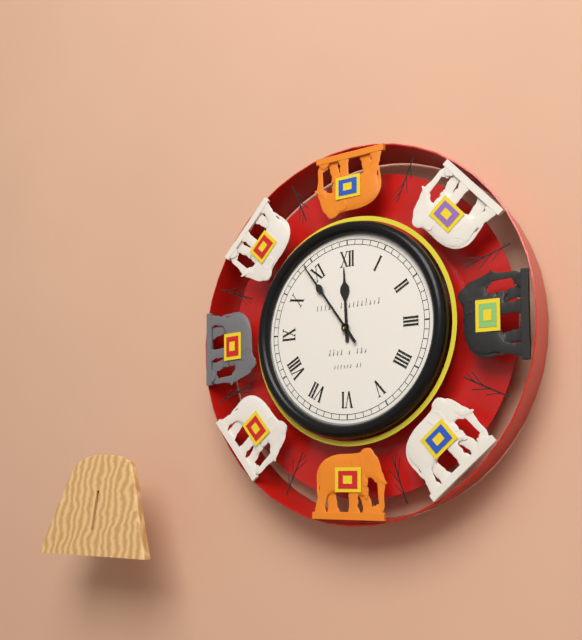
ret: {"hour": 11, "minute": 54}
